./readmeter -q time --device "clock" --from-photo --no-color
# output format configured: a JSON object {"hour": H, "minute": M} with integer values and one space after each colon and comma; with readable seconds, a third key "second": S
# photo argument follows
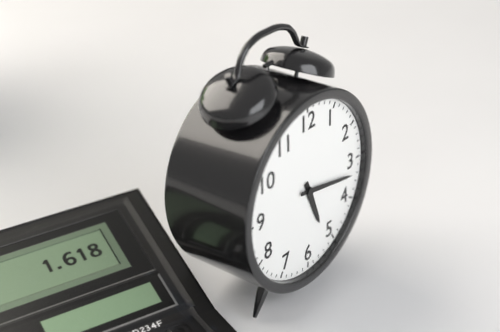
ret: {"hour": 5, "minute": 17}
